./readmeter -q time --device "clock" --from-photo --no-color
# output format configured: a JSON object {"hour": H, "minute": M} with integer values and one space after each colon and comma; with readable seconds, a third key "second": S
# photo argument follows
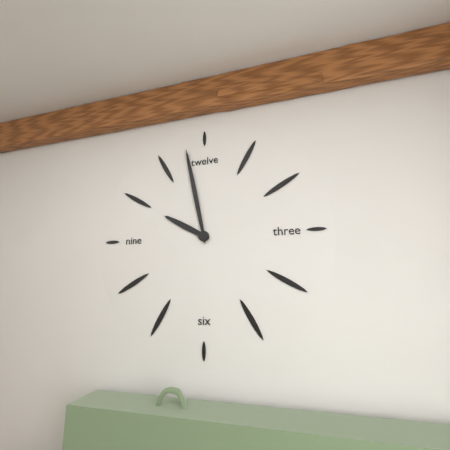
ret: {"hour": 9, "minute": 58}
